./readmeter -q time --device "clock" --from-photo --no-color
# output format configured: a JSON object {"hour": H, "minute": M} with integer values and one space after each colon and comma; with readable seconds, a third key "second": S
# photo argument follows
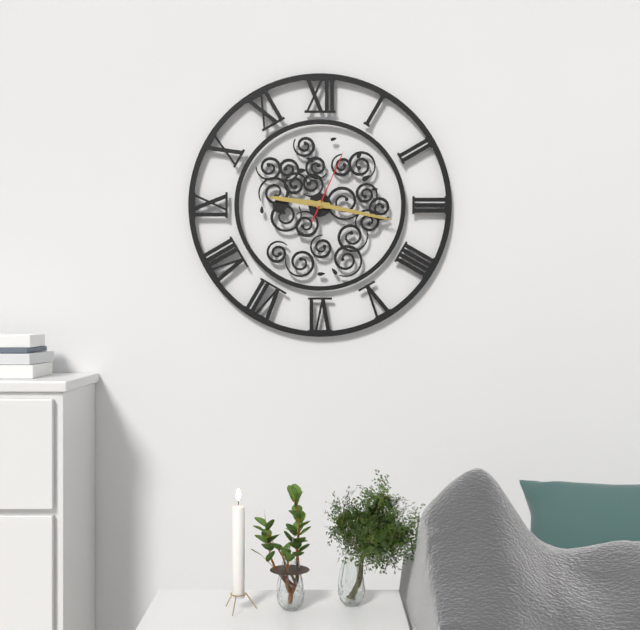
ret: {"hour": 9, "minute": 17, "second": 4}
